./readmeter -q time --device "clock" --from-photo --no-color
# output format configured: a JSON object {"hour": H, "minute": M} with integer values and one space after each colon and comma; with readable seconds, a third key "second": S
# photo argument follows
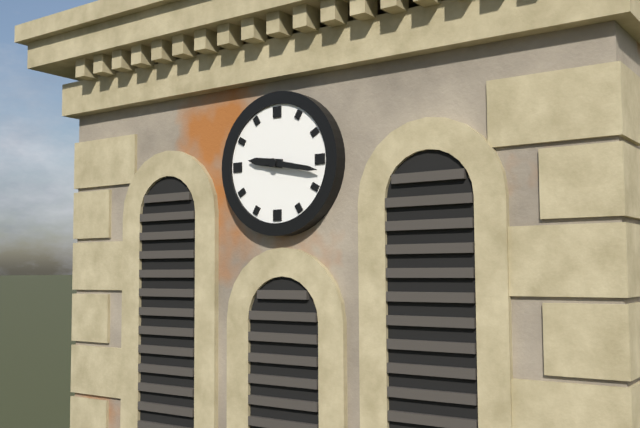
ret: {"hour": 9, "minute": 17}
